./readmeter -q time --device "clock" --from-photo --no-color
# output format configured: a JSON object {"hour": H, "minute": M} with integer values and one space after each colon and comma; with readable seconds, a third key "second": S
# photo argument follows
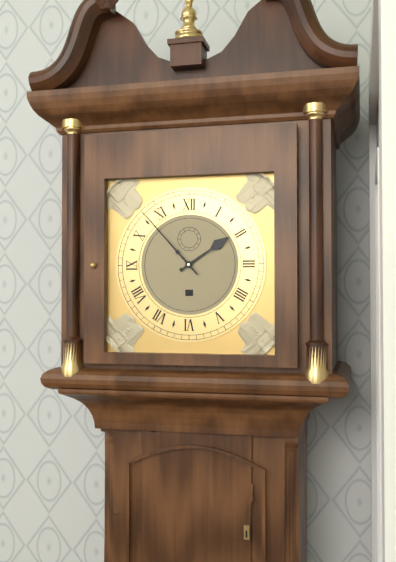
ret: {"hour": 1, "minute": 53}
